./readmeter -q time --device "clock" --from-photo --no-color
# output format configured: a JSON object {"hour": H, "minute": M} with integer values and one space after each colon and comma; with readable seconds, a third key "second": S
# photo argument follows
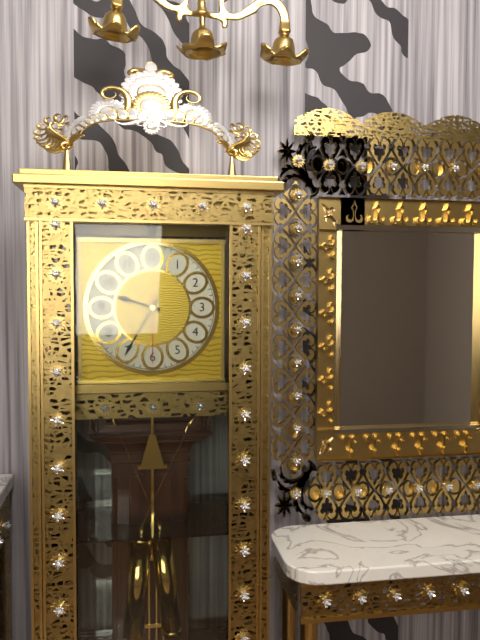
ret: {"hour": 9, "minute": 35, "second": 30}
